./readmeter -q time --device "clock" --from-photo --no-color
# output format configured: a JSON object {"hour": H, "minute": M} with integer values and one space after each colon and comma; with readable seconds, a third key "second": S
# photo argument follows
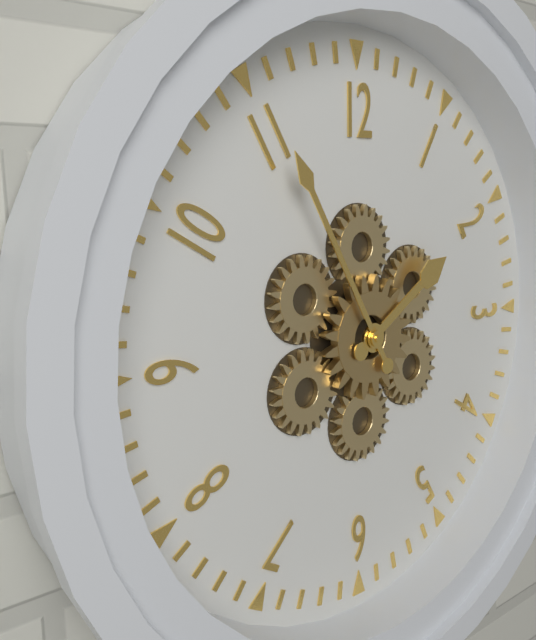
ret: {"hour": 1, "minute": 55}
